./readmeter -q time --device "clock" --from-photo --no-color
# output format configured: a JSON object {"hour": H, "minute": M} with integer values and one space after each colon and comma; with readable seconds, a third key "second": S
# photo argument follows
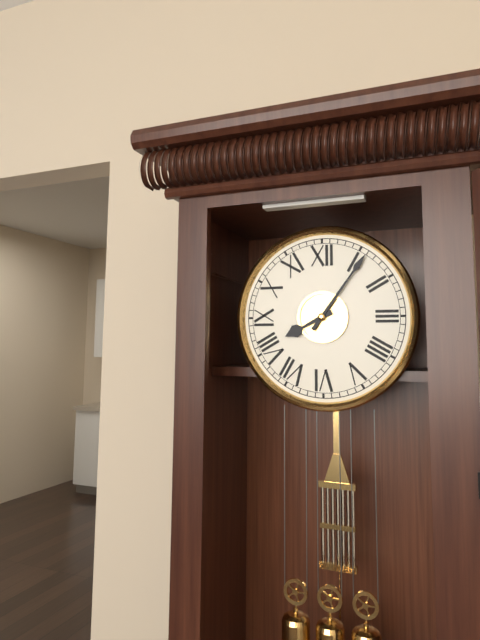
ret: {"hour": 8, "minute": 6}
